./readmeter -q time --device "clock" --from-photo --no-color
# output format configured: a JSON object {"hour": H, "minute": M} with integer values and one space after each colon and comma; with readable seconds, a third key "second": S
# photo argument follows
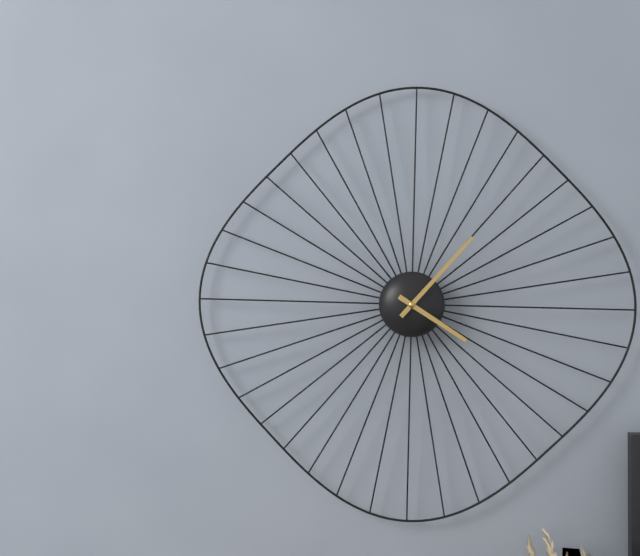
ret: {"hour": 4, "minute": 7}
